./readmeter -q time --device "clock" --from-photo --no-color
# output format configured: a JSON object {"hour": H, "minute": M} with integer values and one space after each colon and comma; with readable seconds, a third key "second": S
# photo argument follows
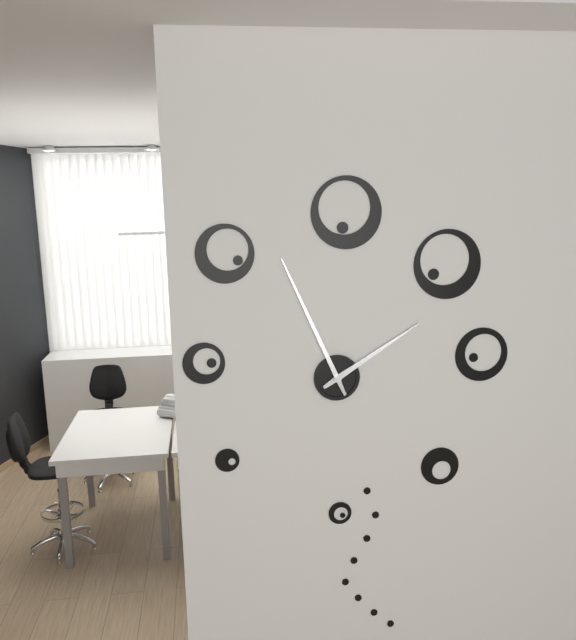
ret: {"hour": 1, "minute": 56}
